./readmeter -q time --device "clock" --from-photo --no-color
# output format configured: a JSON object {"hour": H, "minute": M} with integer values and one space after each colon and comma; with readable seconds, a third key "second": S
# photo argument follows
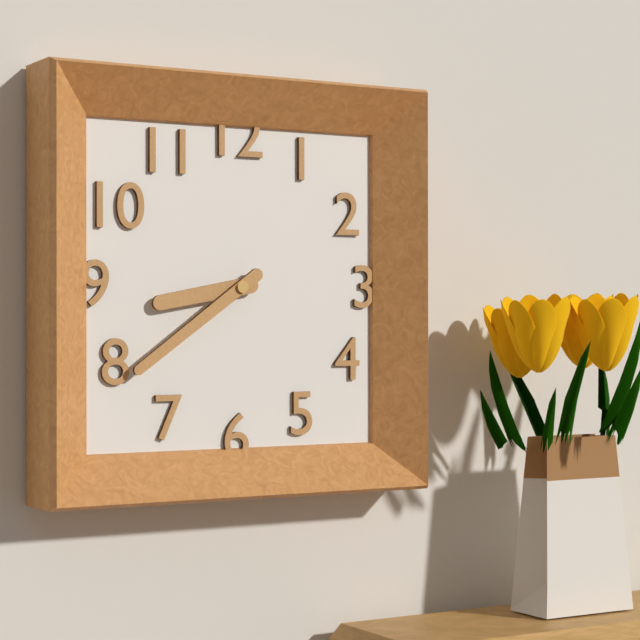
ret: {"hour": 8, "minute": 39}
